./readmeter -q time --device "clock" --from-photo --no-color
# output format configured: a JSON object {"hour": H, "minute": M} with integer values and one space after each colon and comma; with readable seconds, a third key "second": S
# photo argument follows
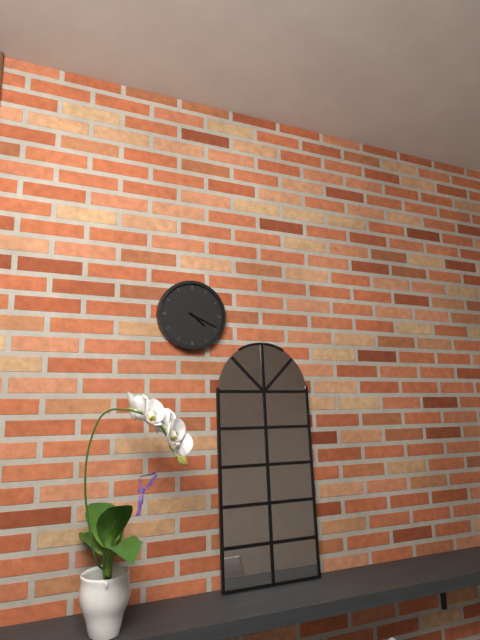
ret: {"hour": 4, "minute": 19}
